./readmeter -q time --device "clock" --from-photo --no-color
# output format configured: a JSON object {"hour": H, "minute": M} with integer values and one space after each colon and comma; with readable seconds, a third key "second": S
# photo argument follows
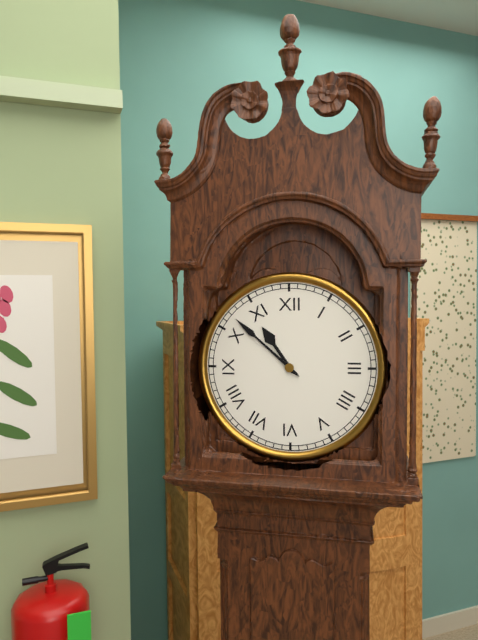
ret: {"hour": 10, "minute": 52}
